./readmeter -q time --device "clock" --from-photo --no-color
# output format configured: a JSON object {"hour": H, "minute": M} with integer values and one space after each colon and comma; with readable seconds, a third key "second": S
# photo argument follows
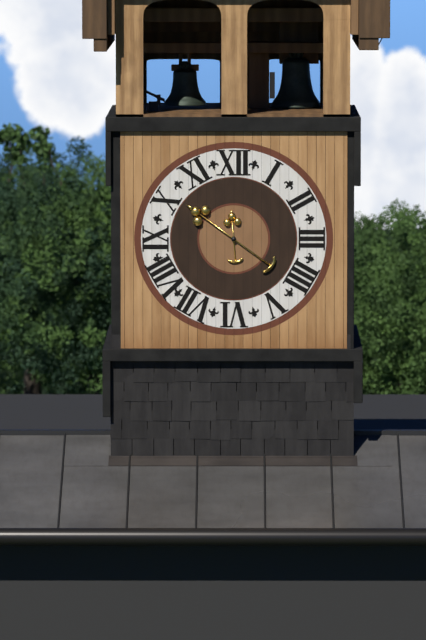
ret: {"hour": 11, "minute": 51}
